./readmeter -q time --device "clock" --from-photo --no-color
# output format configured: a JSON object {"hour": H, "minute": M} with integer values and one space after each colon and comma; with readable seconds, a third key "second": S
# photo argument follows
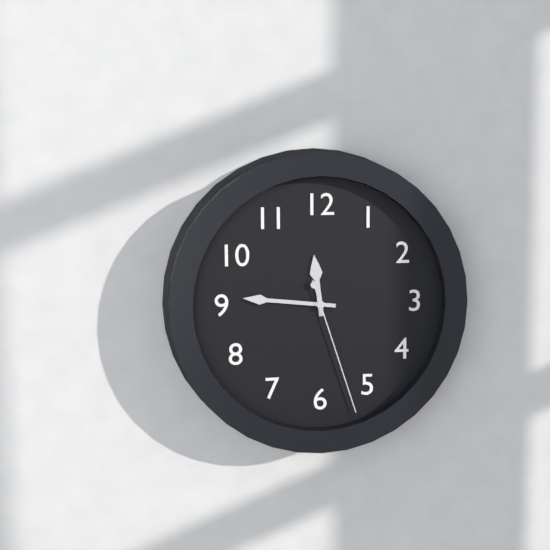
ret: {"hour": 11, "minute": 46, "second": 27}
